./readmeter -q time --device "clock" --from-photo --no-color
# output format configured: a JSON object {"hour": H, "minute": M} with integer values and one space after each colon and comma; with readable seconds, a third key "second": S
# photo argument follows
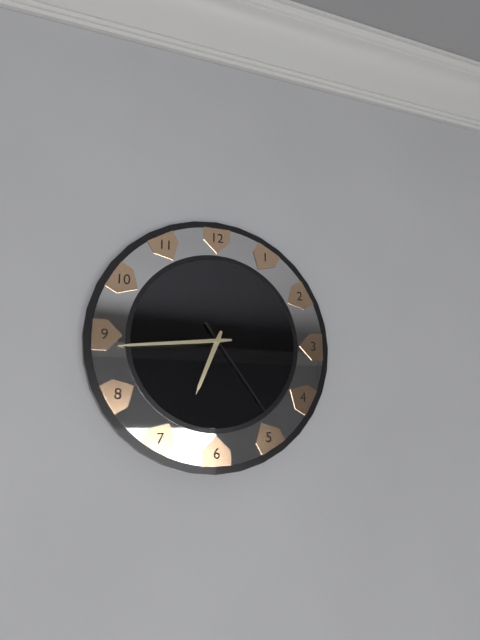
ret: {"hour": 6, "minute": 44, "second": 24}
